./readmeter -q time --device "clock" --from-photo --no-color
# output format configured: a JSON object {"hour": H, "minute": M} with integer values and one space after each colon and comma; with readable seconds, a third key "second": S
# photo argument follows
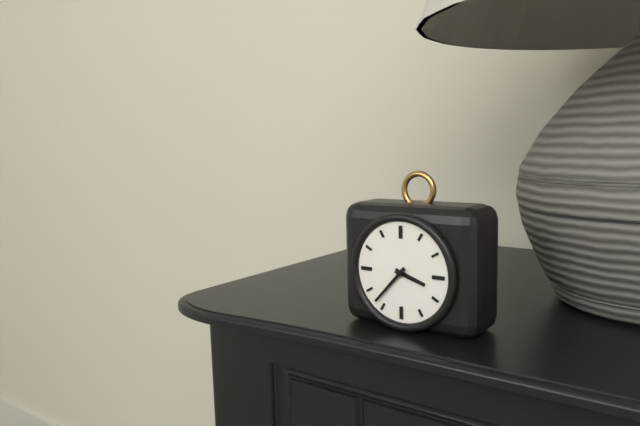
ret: {"hour": 3, "minute": 37}
